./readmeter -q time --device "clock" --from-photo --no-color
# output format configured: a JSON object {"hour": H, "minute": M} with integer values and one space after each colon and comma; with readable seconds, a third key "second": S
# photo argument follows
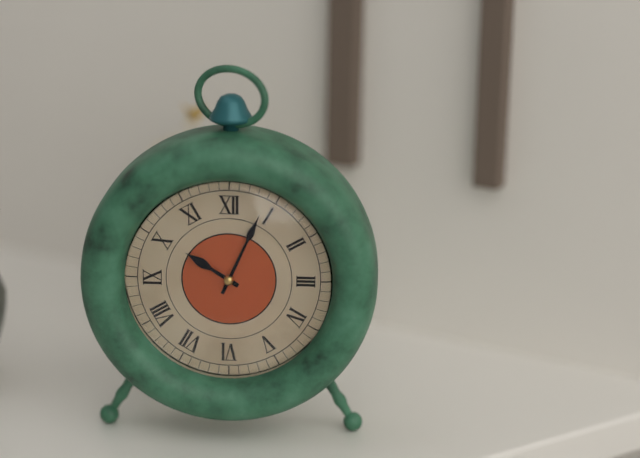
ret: {"hour": 10, "minute": 4}
